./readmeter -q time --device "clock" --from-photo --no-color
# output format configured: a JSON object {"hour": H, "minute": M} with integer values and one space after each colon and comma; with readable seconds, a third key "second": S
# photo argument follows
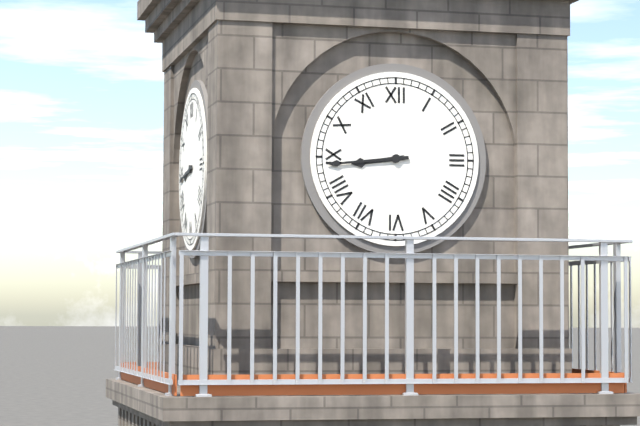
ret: {"hour": 8, "minute": 44}
